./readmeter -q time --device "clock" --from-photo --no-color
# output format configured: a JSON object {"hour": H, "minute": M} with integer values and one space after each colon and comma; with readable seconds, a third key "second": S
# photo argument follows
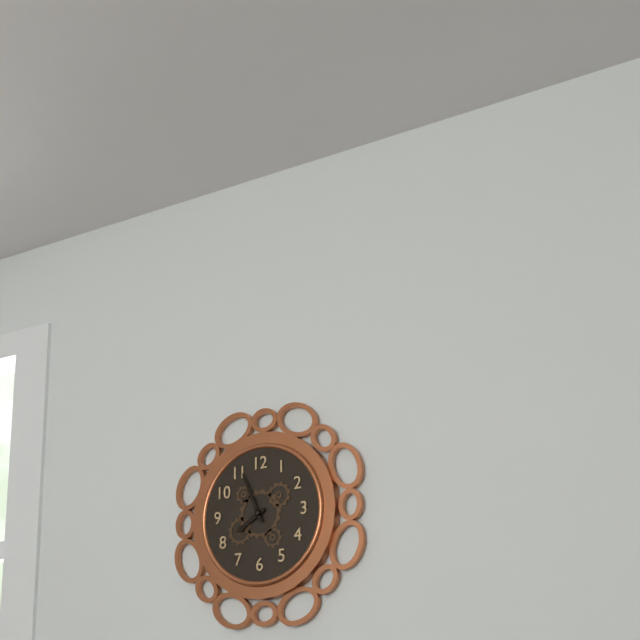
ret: {"hour": 7, "minute": 56}
